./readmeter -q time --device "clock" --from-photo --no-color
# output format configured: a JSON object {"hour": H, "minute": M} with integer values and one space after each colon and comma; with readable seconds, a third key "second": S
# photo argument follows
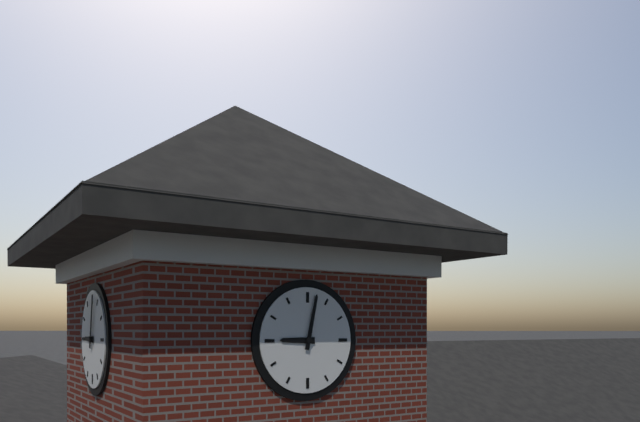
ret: {"hour": 9, "minute": 2}
